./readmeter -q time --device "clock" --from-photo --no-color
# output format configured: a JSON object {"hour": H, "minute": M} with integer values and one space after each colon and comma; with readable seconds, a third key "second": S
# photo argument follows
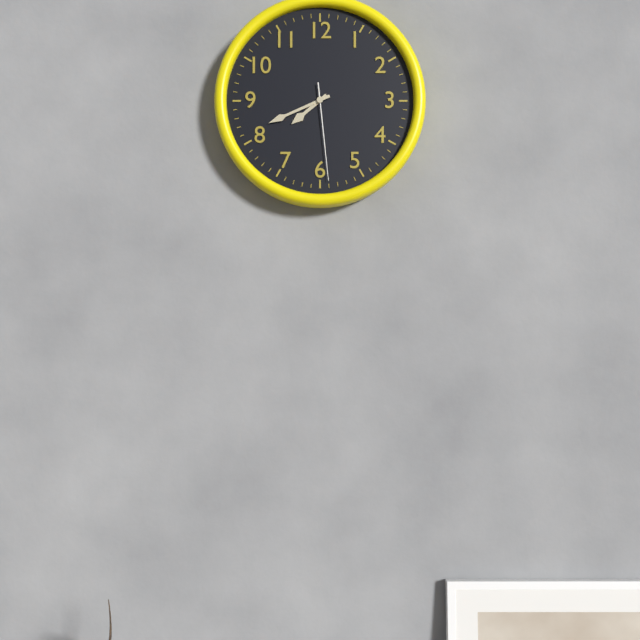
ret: {"hour": 7, "minute": 41, "second": 29}
